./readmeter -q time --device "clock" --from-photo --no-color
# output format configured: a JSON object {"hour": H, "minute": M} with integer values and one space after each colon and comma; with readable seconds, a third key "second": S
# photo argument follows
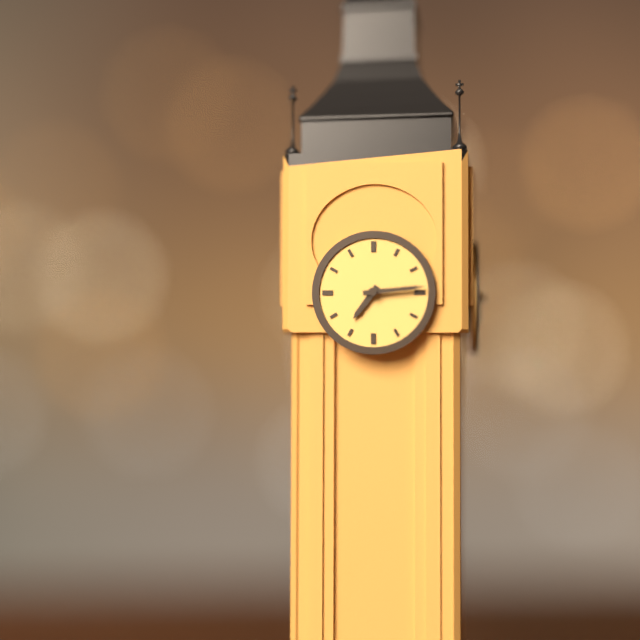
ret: {"hour": 7, "minute": 14}
